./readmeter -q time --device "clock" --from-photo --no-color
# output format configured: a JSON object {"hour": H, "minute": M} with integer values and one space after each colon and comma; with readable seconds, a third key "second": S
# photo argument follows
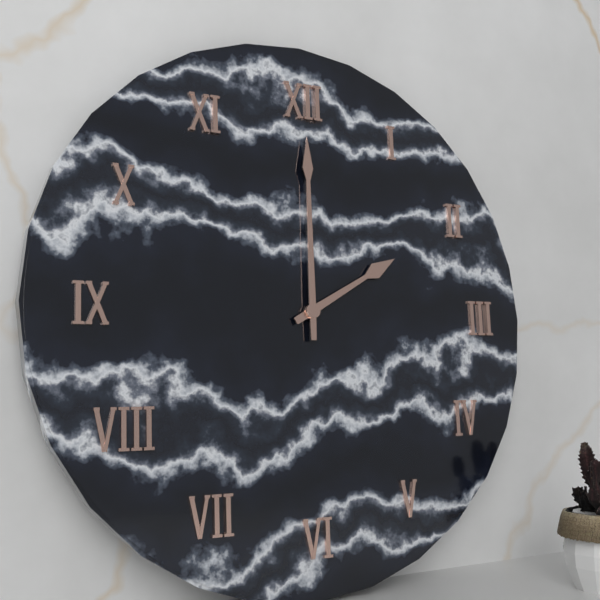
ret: {"hour": 2, "minute": 0}
